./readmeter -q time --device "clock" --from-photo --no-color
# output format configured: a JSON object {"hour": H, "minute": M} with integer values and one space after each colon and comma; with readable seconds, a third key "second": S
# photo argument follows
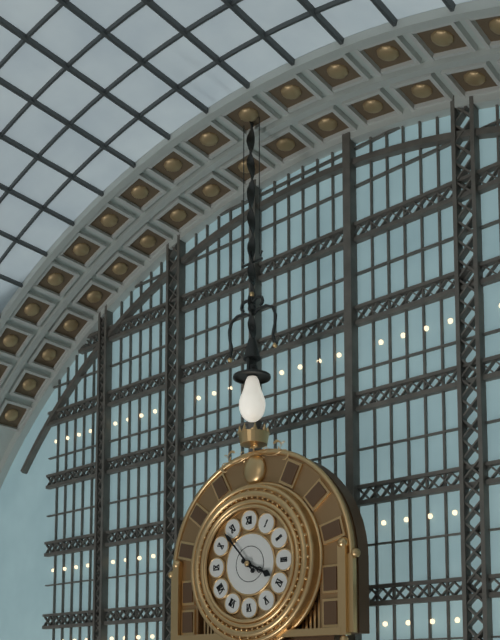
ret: {"hour": 3, "minute": 53}
